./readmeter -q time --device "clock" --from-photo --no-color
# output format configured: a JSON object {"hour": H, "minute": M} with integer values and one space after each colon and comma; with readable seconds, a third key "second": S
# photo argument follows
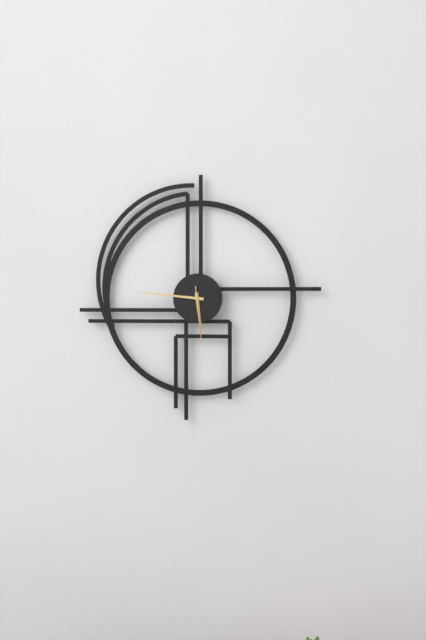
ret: {"hour": 5, "minute": 46, "second": 29}
